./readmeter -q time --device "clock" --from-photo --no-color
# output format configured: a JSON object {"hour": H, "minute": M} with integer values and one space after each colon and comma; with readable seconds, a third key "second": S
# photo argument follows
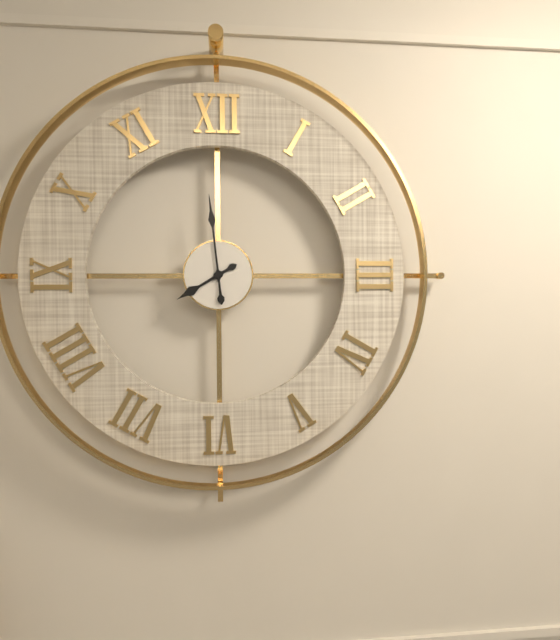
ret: {"hour": 7, "minute": 59}
